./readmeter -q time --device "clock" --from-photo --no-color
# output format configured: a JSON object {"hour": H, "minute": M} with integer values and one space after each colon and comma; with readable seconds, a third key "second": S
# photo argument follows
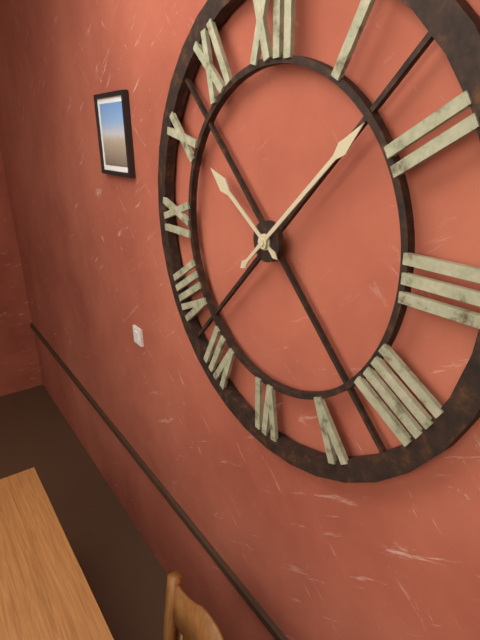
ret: {"hour": 10, "minute": 8}
